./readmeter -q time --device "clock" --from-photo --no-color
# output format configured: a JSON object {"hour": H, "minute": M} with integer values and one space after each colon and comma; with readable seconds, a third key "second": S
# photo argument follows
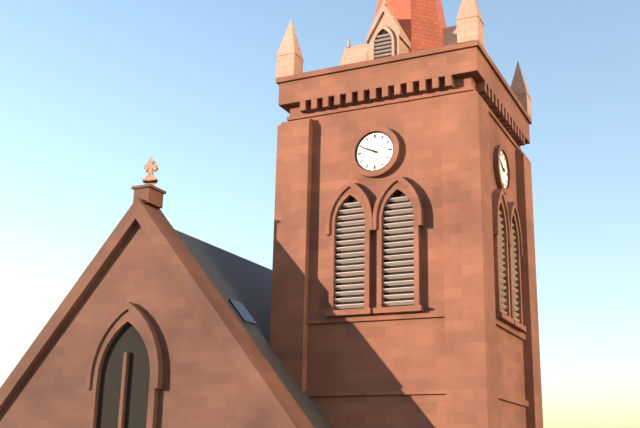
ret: {"hour": 9, "minute": 49}
